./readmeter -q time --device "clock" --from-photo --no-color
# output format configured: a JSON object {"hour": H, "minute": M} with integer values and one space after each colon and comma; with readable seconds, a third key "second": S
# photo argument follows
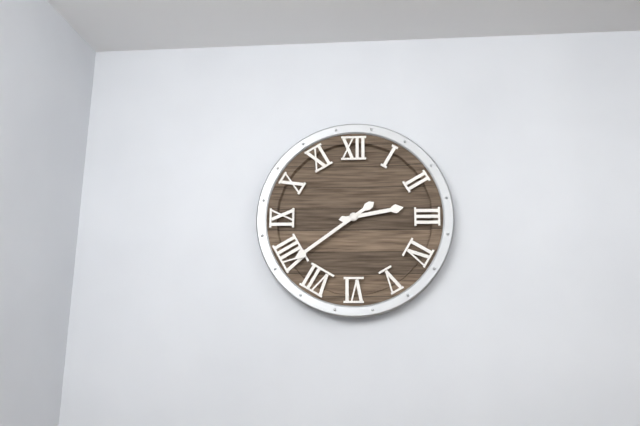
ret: {"hour": 2, "minute": 39}
